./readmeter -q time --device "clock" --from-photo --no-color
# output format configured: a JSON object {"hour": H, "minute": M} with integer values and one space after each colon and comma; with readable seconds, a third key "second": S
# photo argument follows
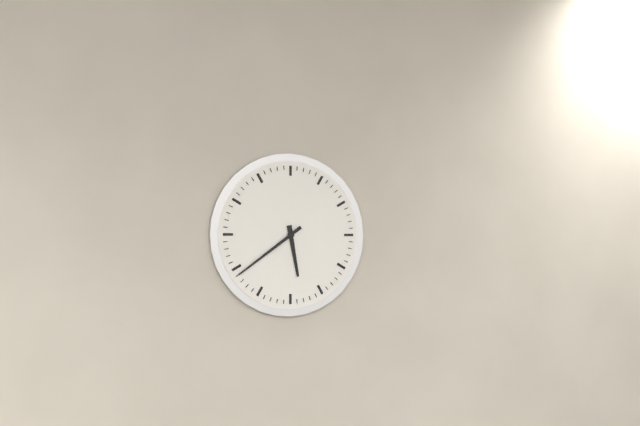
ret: {"hour": 5, "minute": 39}
